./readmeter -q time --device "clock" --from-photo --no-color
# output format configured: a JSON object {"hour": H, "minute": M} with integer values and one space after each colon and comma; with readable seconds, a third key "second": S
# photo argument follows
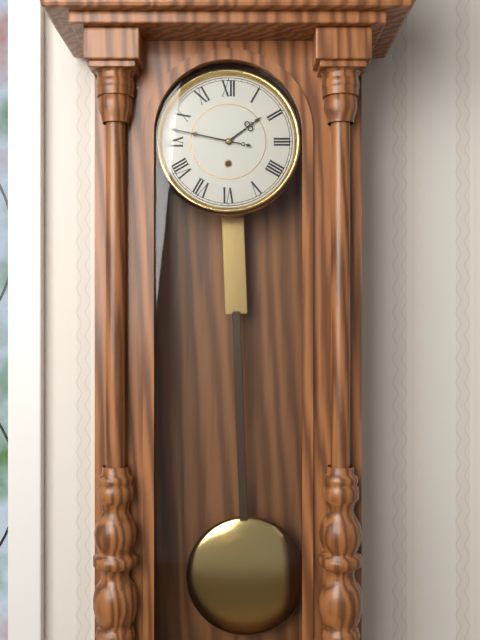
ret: {"hour": 1, "minute": 47}
